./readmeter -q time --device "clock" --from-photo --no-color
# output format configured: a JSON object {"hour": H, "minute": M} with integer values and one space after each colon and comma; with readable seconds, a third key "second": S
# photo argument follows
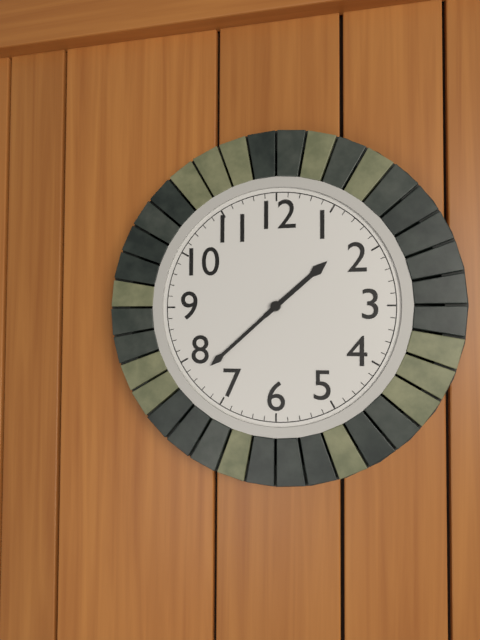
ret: {"hour": 1, "minute": 38}
